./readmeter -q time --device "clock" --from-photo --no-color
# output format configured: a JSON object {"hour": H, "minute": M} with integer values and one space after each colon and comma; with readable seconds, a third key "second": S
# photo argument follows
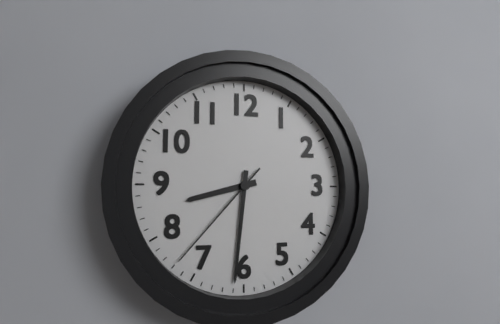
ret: {"hour": 8, "minute": 31, "second": 37}
